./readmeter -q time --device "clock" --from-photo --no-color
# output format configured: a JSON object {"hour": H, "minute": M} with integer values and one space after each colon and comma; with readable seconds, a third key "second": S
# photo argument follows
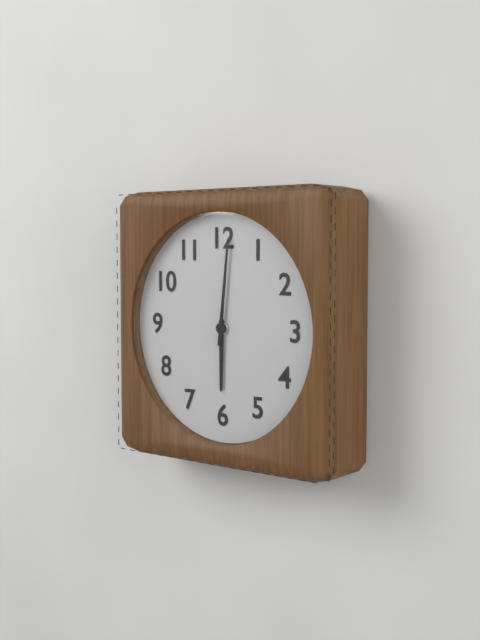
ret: {"hour": 6, "minute": 1}
